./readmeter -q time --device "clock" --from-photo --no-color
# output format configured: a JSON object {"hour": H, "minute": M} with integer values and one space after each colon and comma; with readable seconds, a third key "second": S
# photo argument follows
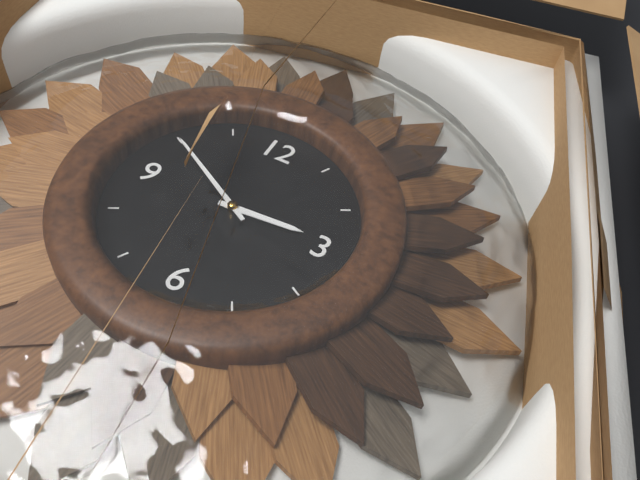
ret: {"hour": 2, "minute": 50}
